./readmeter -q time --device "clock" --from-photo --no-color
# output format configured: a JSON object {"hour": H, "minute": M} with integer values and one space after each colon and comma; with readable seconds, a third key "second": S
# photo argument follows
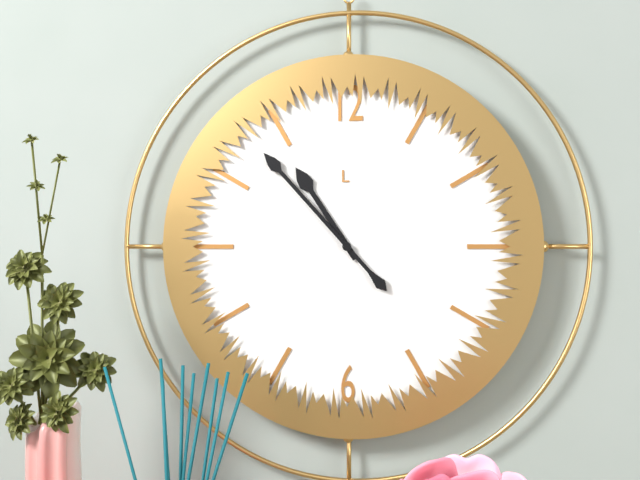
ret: {"hour": 10, "minute": 53}
